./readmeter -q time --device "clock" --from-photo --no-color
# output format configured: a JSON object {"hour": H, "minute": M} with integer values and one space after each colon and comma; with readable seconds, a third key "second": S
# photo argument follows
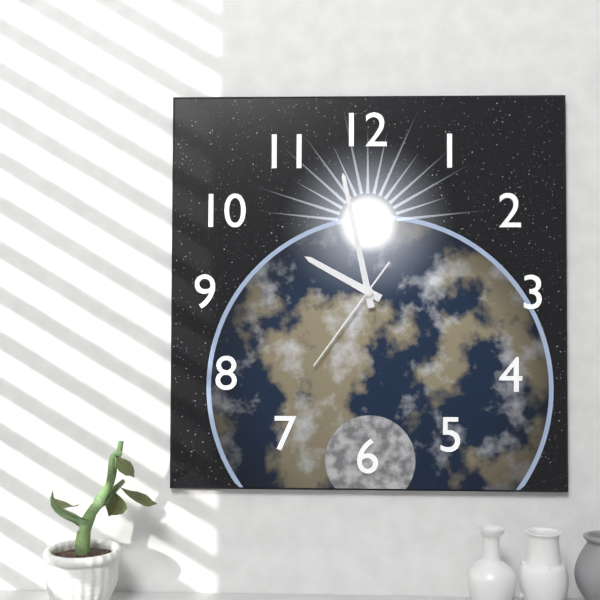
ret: {"hour": 9, "minute": 58, "second": 36}
